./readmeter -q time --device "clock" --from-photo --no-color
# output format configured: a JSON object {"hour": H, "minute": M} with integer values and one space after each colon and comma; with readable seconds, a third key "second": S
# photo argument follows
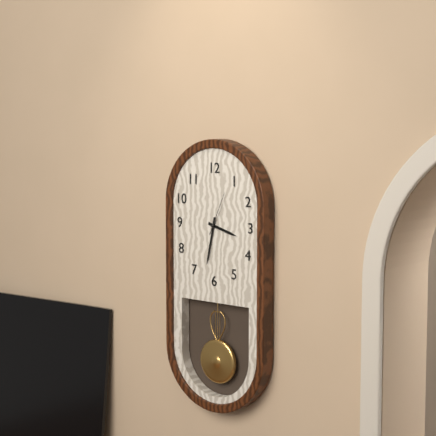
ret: {"hour": 3, "minute": 32}
